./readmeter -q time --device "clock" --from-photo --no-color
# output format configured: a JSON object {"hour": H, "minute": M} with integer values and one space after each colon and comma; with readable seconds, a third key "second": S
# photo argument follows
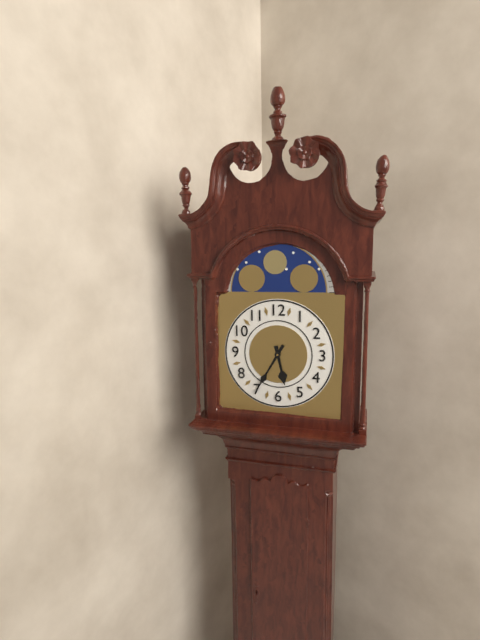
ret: {"hour": 5, "minute": 35}
